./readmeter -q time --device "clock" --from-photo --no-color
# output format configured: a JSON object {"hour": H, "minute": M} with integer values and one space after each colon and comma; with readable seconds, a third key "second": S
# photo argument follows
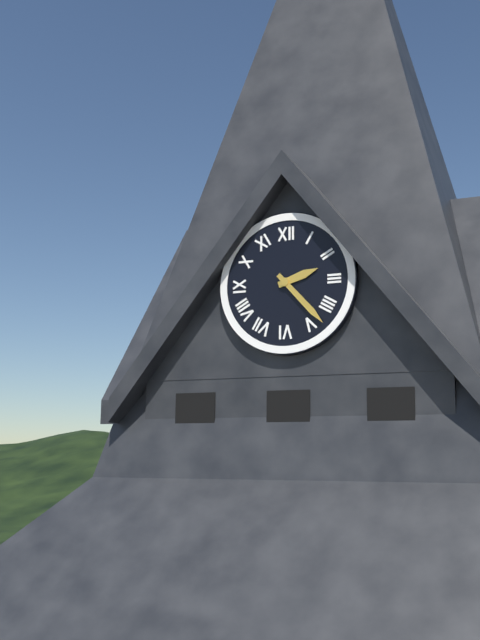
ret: {"hour": 2, "minute": 23}
